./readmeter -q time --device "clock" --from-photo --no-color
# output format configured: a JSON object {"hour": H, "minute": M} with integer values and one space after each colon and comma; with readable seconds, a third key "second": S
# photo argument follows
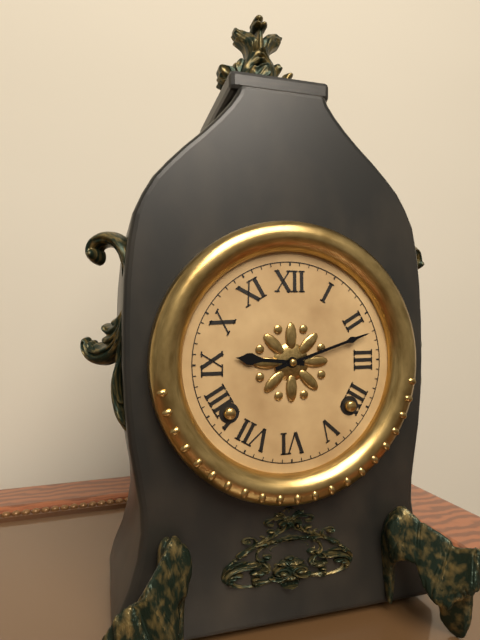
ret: {"hour": 9, "minute": 12}
